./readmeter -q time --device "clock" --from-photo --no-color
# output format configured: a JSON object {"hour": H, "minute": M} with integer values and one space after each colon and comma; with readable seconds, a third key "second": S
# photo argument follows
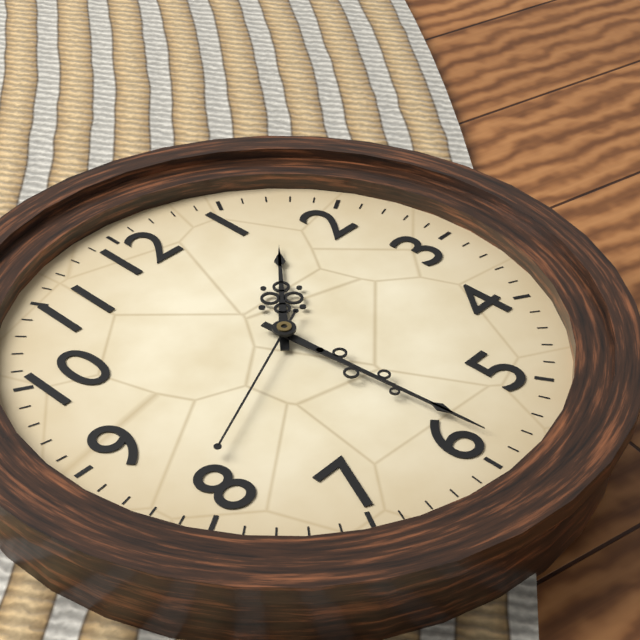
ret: {"hour": 1, "minute": 29, "second": 41}
